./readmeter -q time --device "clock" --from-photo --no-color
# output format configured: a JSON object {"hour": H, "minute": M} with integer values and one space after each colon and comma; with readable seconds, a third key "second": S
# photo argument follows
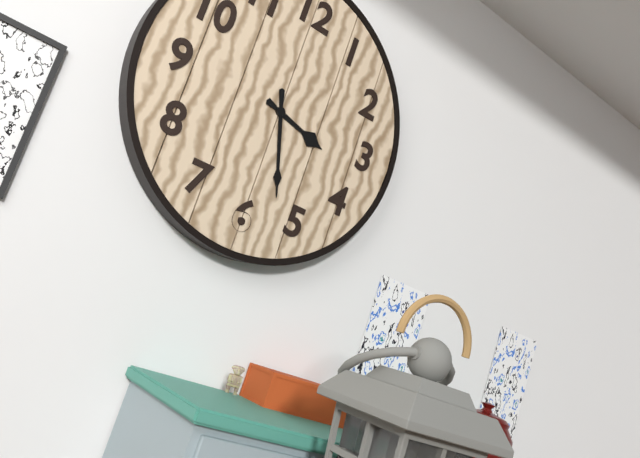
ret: {"hour": 3, "minute": 27}
